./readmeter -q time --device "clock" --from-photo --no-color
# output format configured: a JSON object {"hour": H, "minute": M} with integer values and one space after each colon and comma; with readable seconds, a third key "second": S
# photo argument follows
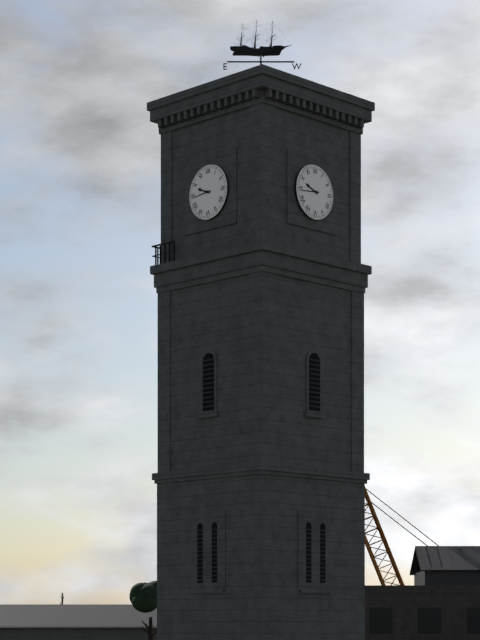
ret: {"hour": 9, "minute": 44}
